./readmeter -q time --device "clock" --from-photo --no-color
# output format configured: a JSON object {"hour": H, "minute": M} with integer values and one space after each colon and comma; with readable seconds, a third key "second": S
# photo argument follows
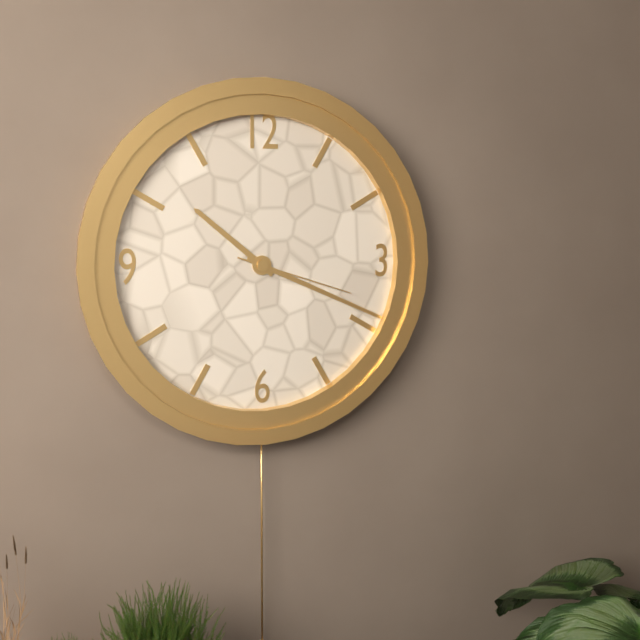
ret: {"hour": 10, "minute": 19, "second": 18}
